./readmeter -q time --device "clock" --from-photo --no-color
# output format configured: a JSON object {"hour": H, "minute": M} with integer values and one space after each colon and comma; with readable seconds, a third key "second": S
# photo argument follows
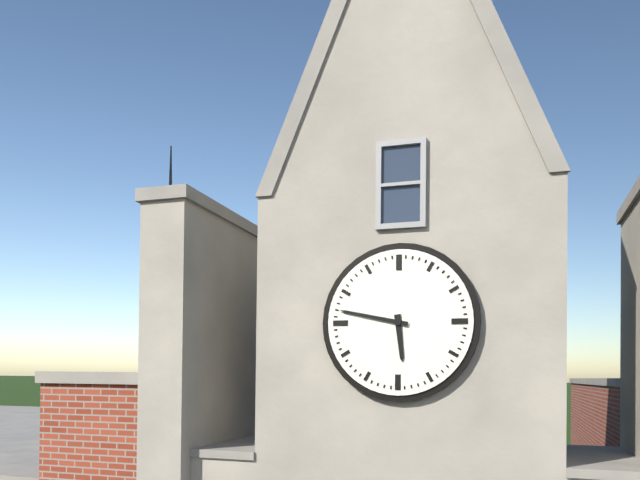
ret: {"hour": 5, "minute": 47}
